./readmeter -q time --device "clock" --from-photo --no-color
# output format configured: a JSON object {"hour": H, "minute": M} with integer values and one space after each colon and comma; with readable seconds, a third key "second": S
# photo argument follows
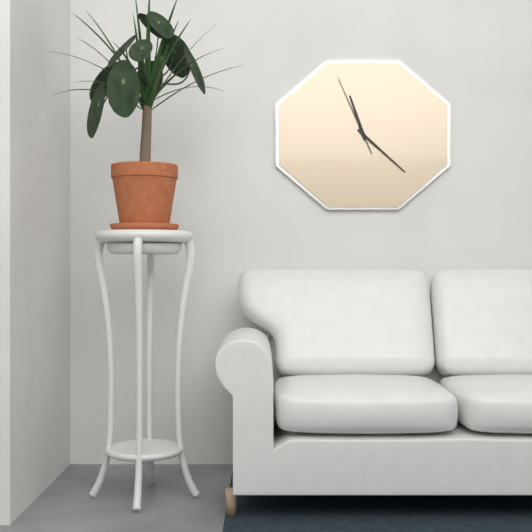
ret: {"hour": 11, "minute": 22, "second": 56}
